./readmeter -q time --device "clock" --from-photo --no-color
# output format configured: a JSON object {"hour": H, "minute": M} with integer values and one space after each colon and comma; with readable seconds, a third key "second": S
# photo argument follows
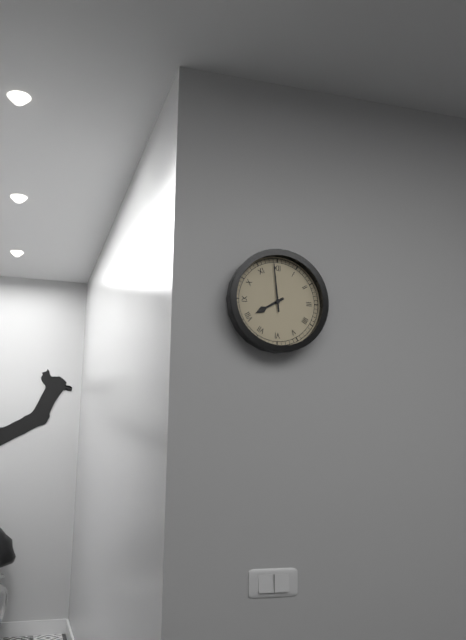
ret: {"hour": 7, "minute": 59}
